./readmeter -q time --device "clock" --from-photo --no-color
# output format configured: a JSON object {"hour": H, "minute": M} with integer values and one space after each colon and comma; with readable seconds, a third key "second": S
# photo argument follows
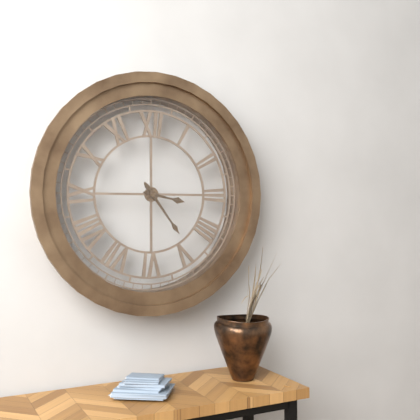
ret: {"hour": 3, "minute": 24}
